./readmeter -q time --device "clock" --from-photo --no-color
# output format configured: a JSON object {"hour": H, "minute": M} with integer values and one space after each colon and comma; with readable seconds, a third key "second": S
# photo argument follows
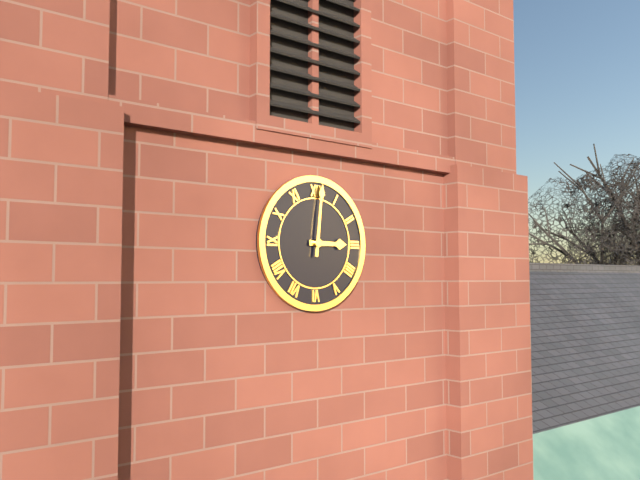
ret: {"hour": 3, "minute": 1}
